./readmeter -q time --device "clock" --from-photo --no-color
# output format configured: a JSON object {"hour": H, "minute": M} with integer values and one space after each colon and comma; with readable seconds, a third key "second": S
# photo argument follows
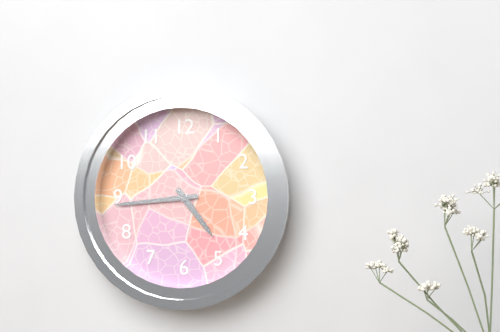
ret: {"hour": 4, "minute": 44}
